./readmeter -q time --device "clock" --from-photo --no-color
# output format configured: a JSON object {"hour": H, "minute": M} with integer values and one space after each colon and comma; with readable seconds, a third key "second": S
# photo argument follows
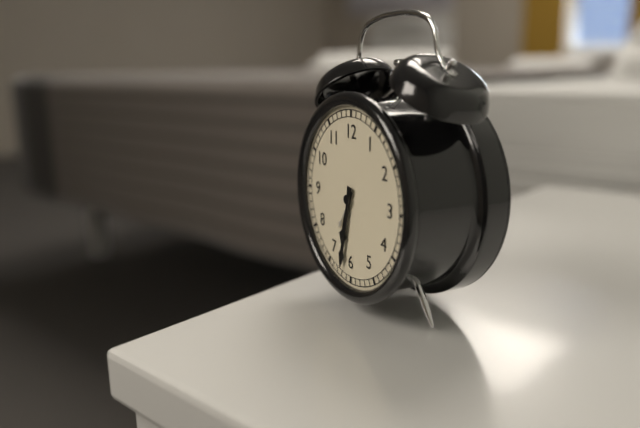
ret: {"hour": 6, "minute": 32}
